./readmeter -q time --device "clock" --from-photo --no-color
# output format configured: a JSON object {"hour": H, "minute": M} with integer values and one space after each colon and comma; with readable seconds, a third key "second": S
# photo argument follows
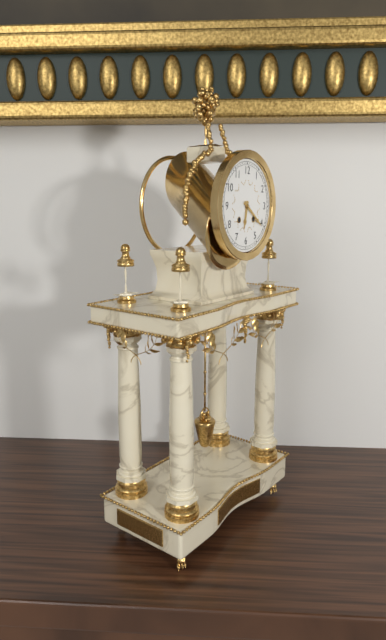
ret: {"hour": 6, "minute": 21}
